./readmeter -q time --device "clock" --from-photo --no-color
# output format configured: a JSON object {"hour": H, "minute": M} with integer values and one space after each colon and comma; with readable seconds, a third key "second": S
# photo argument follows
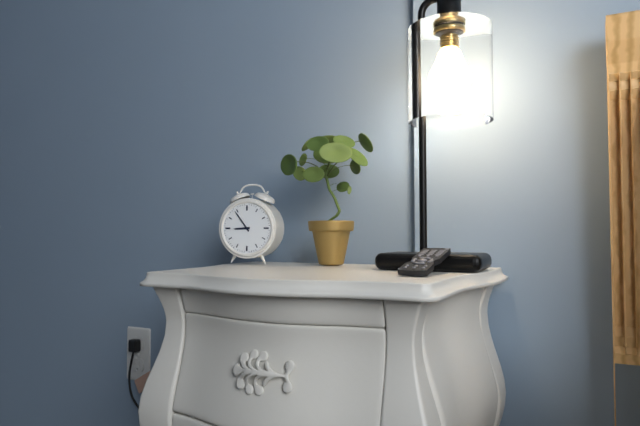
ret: {"hour": 8, "minute": 54}
